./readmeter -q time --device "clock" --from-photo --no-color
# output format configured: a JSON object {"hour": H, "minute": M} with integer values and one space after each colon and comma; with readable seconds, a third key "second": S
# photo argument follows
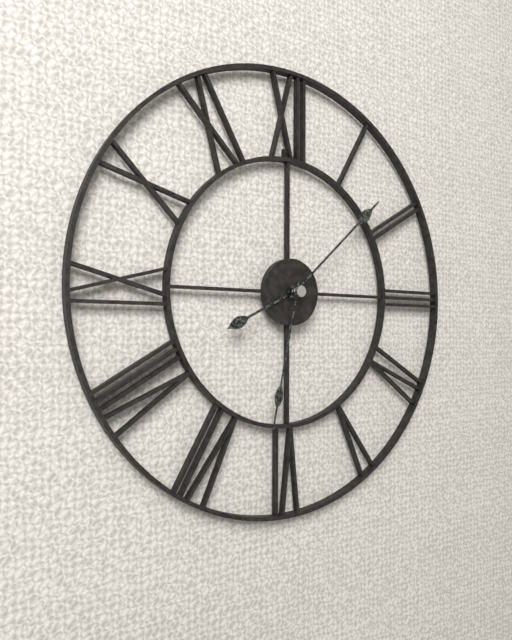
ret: {"hour": 8, "minute": 8, "second": 32}
